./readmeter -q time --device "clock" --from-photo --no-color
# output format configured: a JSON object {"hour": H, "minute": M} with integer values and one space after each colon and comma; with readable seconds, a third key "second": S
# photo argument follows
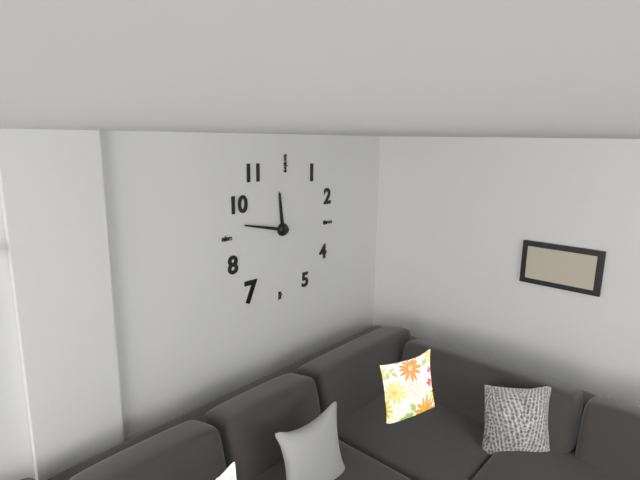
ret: {"hour": 11, "minute": 47}
